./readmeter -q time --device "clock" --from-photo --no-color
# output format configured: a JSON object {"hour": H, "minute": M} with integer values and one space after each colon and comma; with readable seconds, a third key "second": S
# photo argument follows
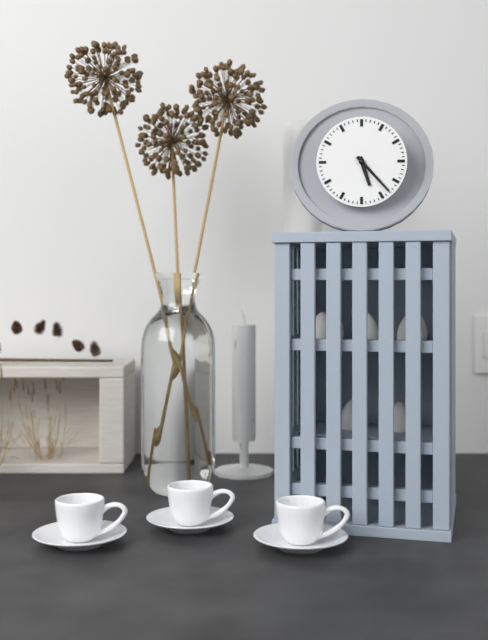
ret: {"hour": 5, "minute": 23}
